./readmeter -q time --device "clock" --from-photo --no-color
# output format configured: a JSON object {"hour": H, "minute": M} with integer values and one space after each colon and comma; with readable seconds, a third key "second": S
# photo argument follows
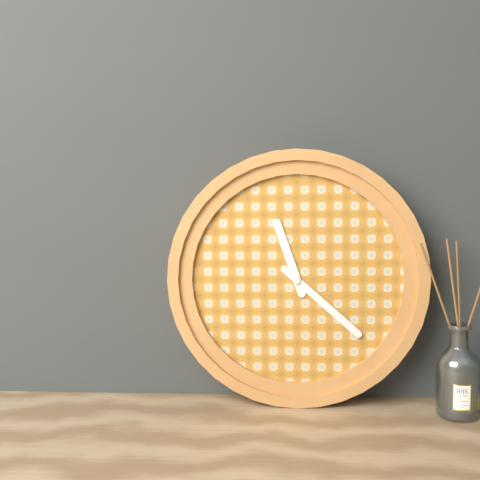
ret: {"hour": 11, "minute": 22}
